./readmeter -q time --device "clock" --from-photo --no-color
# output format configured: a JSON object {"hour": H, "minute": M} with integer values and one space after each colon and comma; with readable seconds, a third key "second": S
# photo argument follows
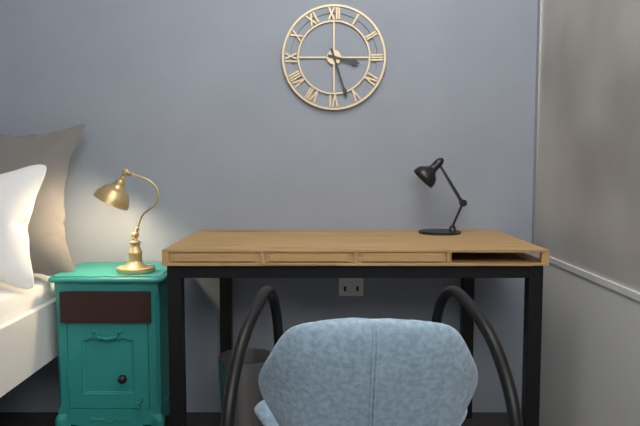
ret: {"hour": 3, "minute": 27}
